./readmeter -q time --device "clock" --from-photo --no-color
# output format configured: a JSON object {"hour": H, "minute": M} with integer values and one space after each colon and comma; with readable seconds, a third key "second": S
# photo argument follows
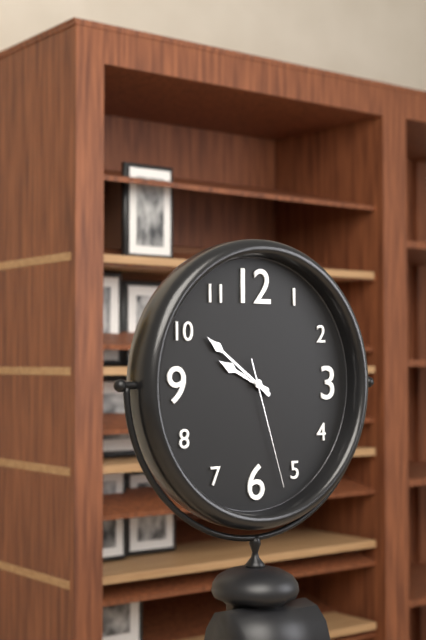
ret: {"hour": 9, "minute": 51, "second": 27}
